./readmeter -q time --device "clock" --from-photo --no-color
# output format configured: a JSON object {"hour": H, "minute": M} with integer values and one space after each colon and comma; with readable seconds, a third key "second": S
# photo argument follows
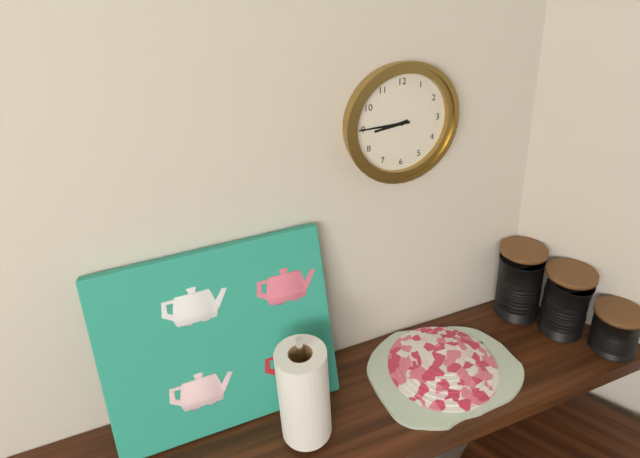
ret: {"hour": 8, "minute": 45}
